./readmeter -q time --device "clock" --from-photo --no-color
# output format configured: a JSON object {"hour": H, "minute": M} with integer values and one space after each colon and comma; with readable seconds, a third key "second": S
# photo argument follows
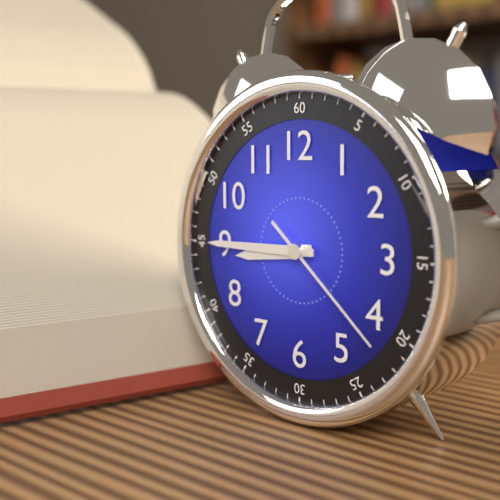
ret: {"hour": 8, "minute": 45, "second": 22}
